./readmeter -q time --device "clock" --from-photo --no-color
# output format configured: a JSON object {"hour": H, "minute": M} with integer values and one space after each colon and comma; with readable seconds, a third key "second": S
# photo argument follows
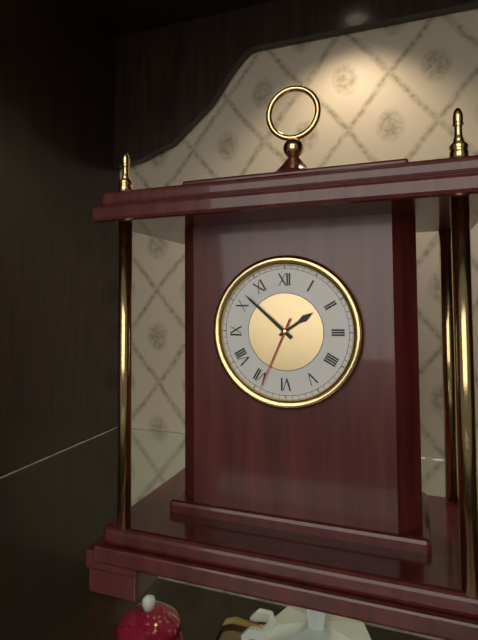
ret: {"hour": 1, "minute": 52, "second": 34}
